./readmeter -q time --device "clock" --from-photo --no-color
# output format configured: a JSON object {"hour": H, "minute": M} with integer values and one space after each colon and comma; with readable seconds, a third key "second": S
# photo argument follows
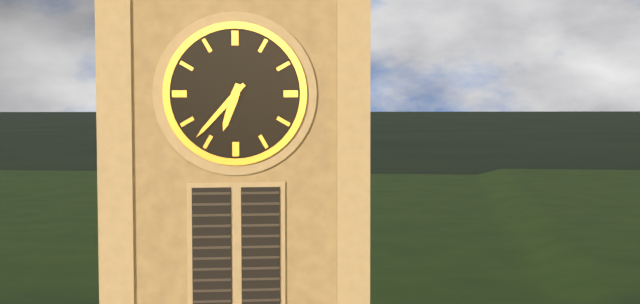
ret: {"hour": 6, "minute": 37}
